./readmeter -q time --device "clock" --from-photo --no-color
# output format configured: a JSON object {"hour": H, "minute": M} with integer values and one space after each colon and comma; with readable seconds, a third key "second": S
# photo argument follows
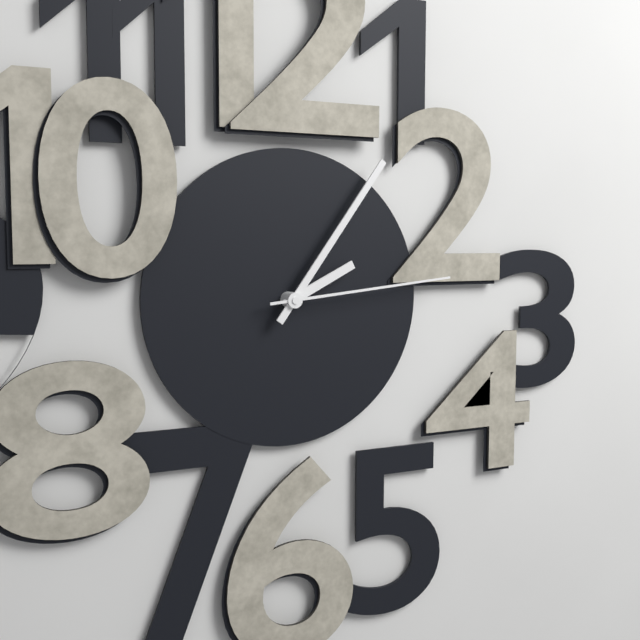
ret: {"hour": 2, "minute": 6, "second": 14}
